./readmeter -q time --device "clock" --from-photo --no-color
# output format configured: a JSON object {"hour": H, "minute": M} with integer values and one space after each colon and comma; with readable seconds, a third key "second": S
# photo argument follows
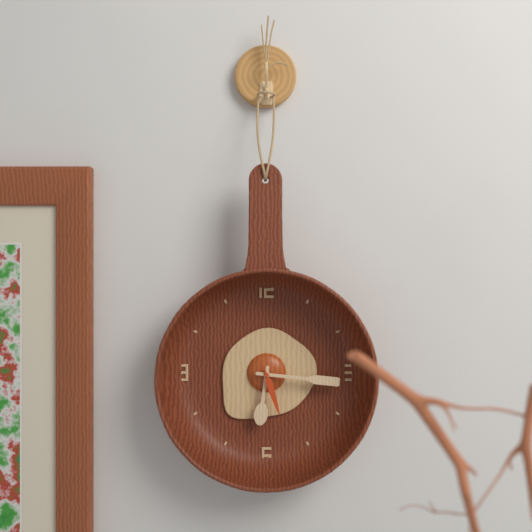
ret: {"hour": 6, "minute": 16, "second": 27}
